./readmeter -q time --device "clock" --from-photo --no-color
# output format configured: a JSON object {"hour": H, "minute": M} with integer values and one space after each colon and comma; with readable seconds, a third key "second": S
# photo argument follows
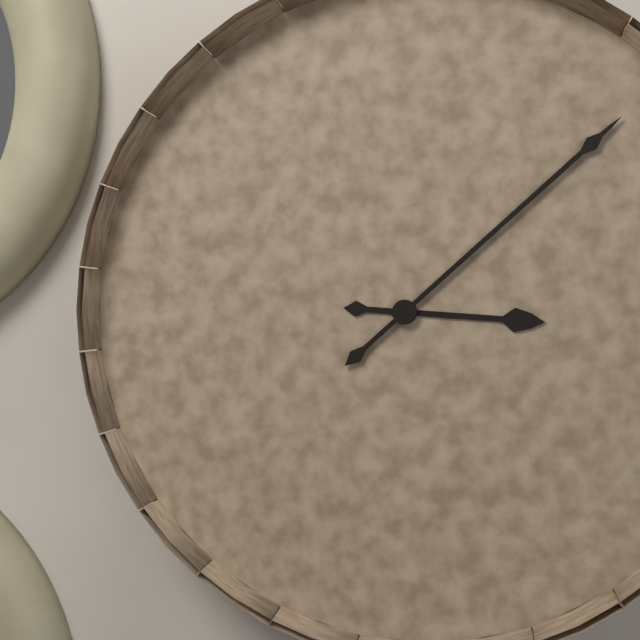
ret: {"hour": 3, "minute": 8}
